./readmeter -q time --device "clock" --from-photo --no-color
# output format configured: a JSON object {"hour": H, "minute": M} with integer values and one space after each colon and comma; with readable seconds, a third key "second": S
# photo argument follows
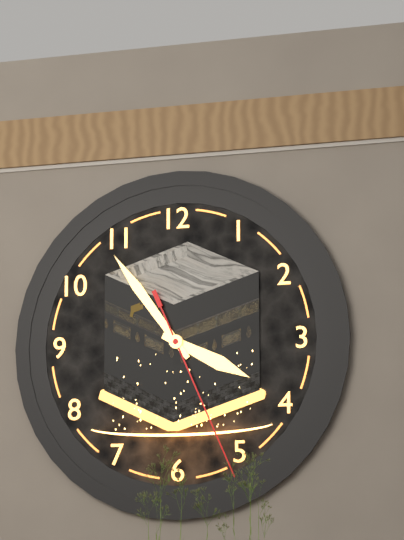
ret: {"hour": 3, "minute": 54, "second": 26}
